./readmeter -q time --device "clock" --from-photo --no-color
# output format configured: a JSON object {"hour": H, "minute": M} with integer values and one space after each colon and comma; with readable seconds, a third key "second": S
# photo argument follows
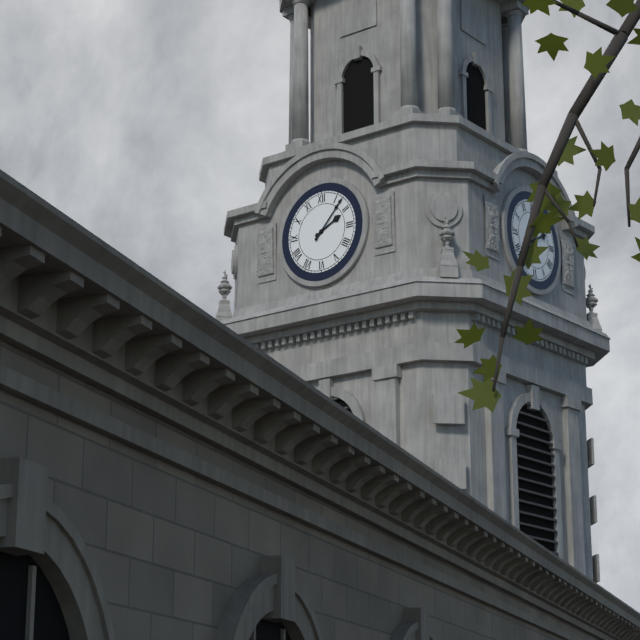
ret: {"hour": 2, "minute": 7}
